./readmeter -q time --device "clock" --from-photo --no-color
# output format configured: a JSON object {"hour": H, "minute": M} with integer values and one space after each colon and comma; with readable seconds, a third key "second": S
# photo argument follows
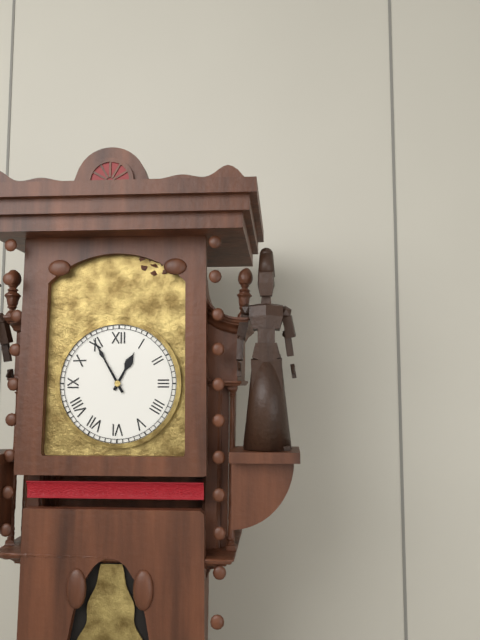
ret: {"hour": 12, "minute": 55}
